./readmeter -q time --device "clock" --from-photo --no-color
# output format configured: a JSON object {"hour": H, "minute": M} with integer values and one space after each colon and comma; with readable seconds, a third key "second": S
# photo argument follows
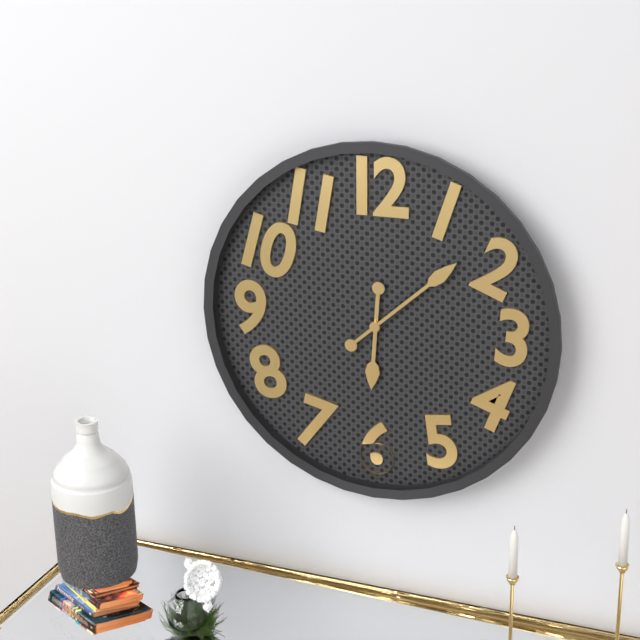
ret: {"hour": 6, "minute": 8}
